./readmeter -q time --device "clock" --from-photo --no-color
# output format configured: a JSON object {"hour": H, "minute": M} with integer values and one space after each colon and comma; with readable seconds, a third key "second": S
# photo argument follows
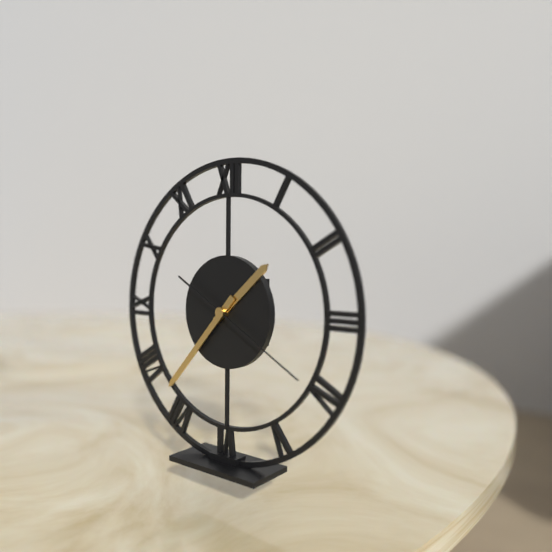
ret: {"hour": 1, "minute": 37, "second": 20}
